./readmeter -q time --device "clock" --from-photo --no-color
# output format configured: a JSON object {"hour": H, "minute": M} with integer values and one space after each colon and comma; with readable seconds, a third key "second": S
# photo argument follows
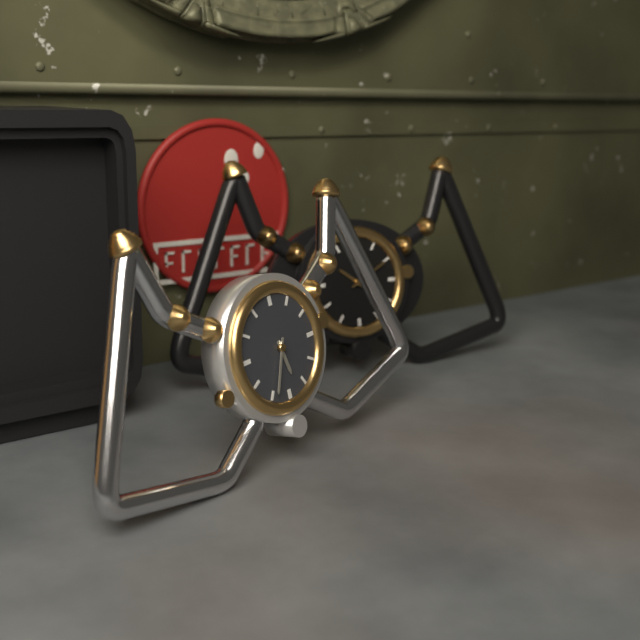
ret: {"hour": 5, "minute": 34}
